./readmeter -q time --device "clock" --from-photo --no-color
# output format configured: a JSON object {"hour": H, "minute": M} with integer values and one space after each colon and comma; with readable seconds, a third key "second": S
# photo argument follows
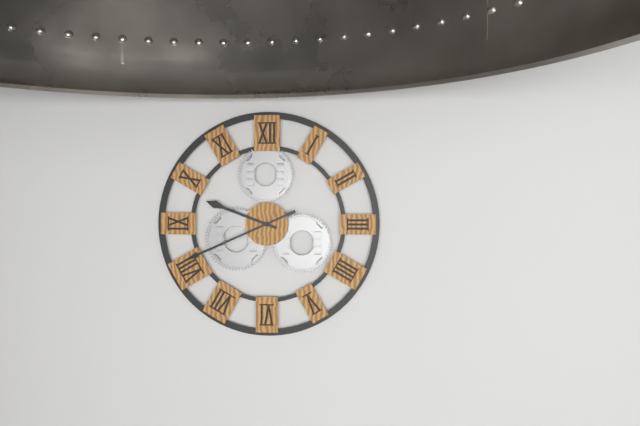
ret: {"hour": 9, "minute": 41}
